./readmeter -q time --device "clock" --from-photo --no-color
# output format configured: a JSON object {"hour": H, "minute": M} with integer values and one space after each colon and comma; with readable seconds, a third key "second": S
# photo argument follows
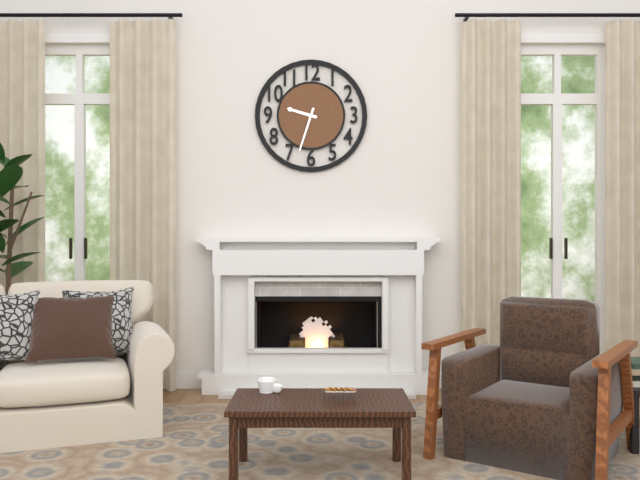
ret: {"hour": 9, "minute": 33}
